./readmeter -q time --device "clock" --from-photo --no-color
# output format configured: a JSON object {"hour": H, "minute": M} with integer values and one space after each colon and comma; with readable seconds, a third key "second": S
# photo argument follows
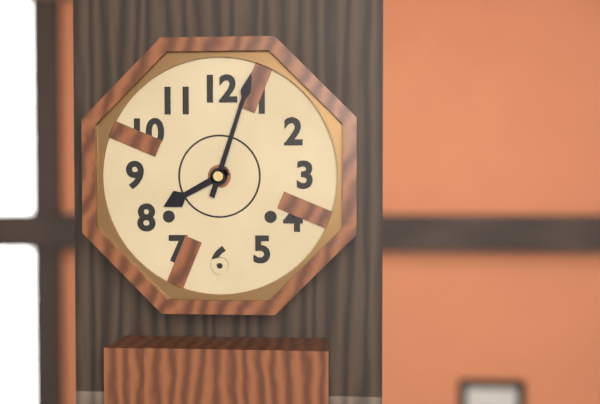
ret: {"hour": 8, "minute": 3}
